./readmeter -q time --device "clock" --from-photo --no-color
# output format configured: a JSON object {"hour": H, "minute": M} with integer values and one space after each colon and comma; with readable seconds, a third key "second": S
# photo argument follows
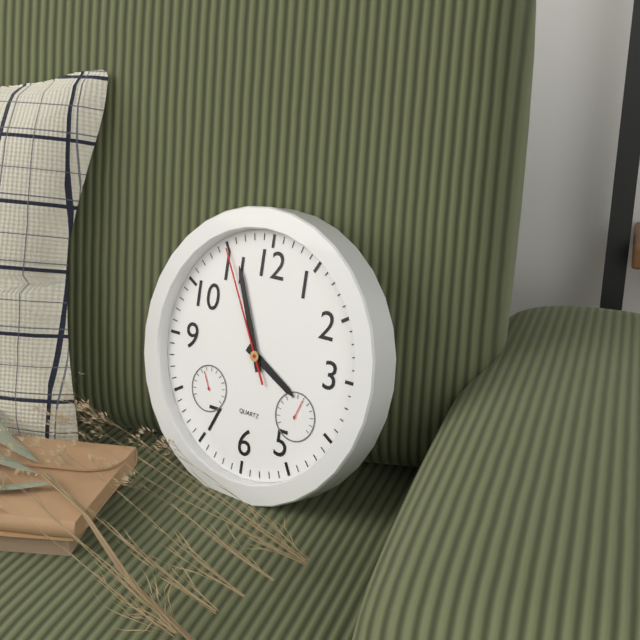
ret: {"hour": 3, "minute": 56, "second": 55}
